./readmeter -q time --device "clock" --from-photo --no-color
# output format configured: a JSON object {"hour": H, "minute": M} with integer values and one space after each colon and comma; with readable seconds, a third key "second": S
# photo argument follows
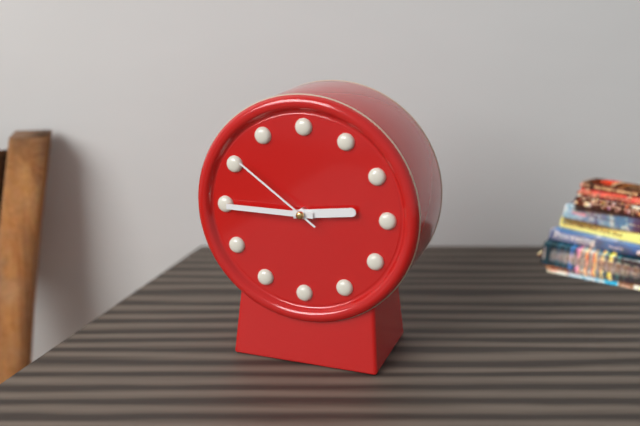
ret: {"hour": 2, "minute": 45, "second": 51}
